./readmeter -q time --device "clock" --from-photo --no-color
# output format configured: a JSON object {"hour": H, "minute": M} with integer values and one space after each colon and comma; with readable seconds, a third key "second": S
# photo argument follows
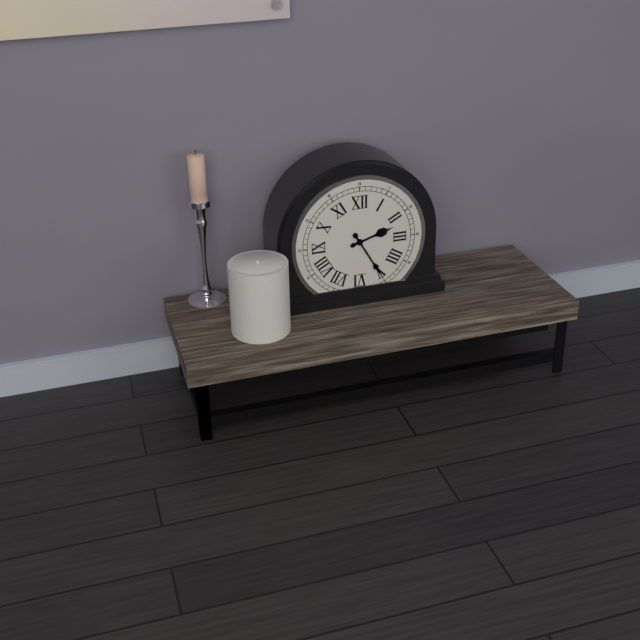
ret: {"hour": 2, "minute": 25}
